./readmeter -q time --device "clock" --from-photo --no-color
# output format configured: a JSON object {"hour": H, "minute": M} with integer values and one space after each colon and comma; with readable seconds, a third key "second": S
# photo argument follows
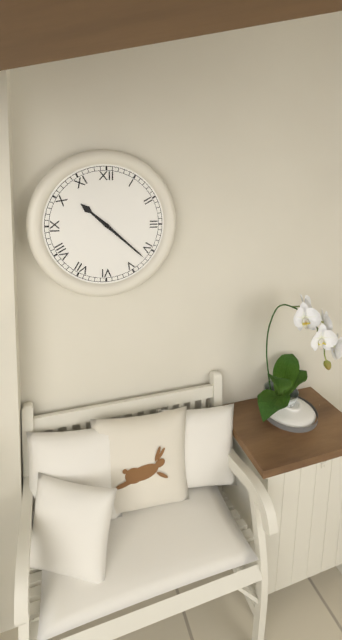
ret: {"hour": 10, "minute": 22}
